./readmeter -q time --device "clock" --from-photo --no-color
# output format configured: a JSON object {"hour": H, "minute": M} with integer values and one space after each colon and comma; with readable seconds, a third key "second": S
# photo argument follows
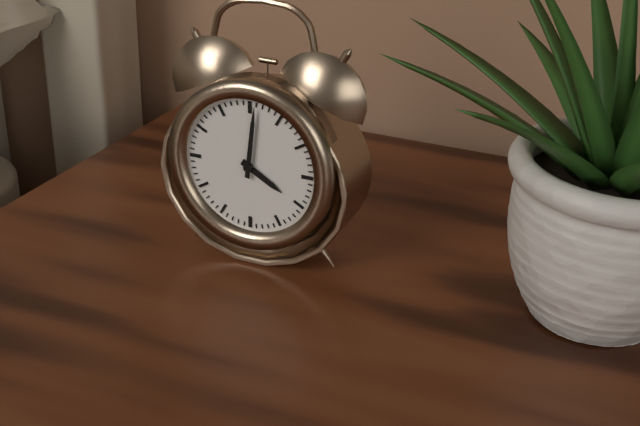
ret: {"hour": 4, "minute": 1}
